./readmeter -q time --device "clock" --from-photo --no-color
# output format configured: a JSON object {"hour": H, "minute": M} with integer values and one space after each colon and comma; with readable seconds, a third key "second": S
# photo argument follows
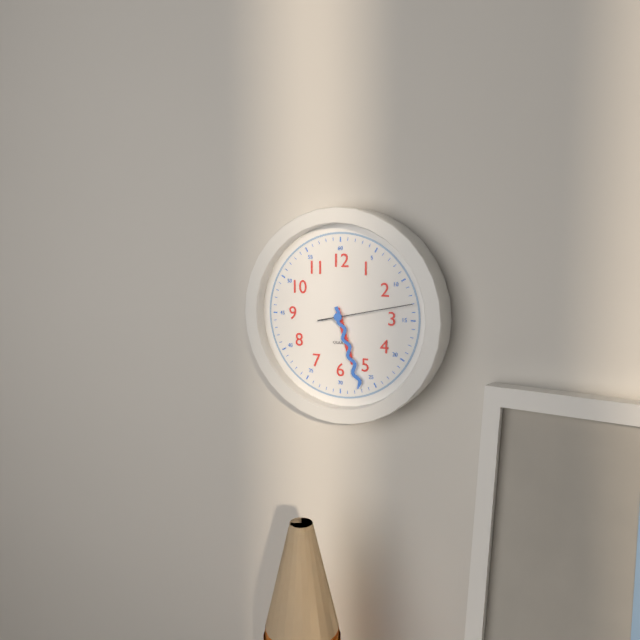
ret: {"hour": 5, "minute": 27, "second": 13}
